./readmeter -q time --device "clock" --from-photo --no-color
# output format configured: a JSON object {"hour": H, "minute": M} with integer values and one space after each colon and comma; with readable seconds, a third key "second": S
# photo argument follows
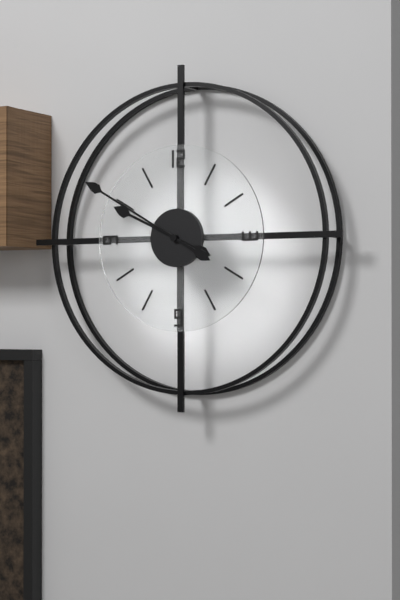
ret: {"hour": 9, "minute": 50}
